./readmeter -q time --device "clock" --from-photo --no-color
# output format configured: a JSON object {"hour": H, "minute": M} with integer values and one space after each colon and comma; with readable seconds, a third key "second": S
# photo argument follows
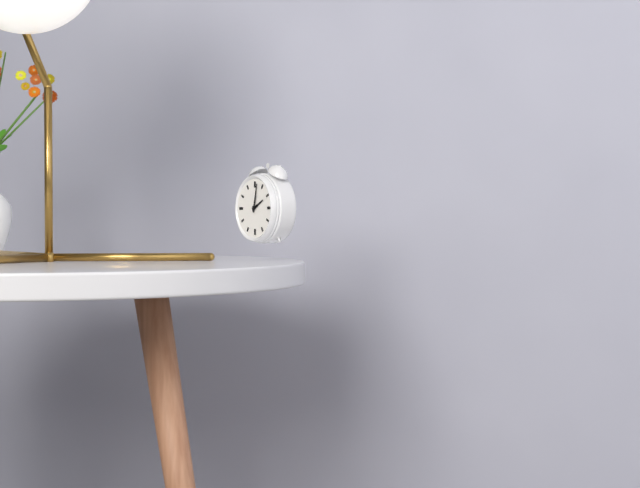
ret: {"hour": 2, "minute": 2}
